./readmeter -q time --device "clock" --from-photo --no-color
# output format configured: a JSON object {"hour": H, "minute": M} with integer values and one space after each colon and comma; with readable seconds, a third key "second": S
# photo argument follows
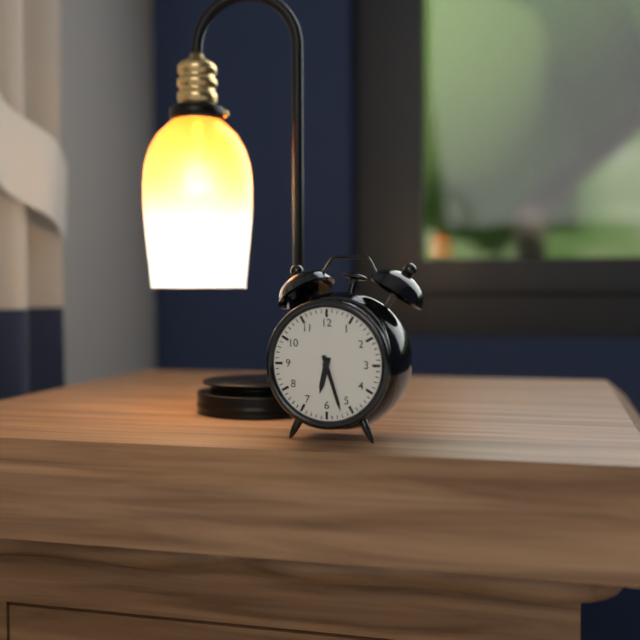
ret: {"hour": 6, "minute": 27}
